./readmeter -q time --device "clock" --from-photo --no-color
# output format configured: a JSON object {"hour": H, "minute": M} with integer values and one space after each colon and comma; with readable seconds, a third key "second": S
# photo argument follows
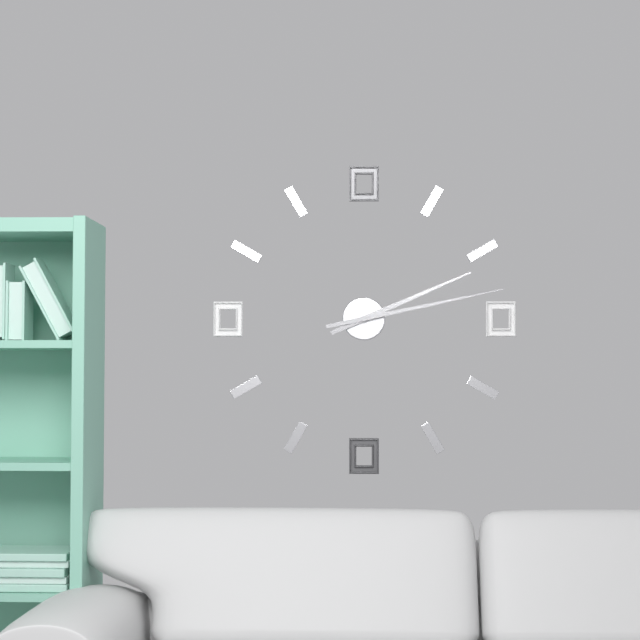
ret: {"hour": 2, "minute": 13}
